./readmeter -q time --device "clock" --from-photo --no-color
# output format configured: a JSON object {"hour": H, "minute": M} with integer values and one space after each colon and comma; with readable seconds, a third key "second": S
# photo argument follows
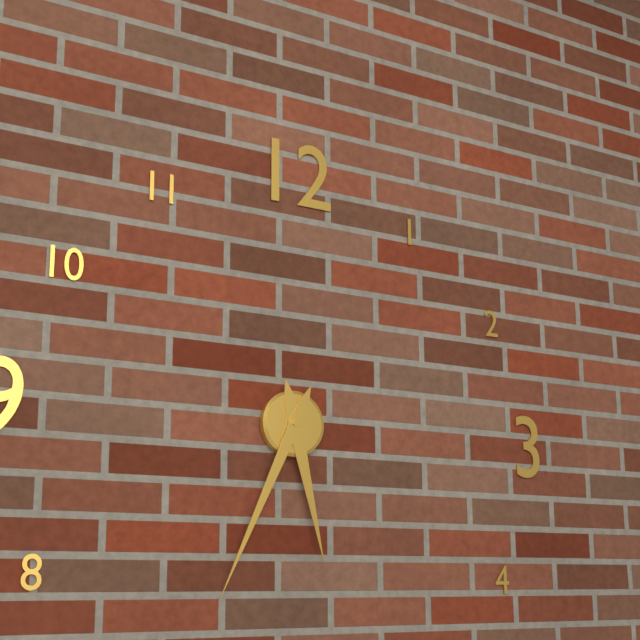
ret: {"hour": 5, "minute": 34}
